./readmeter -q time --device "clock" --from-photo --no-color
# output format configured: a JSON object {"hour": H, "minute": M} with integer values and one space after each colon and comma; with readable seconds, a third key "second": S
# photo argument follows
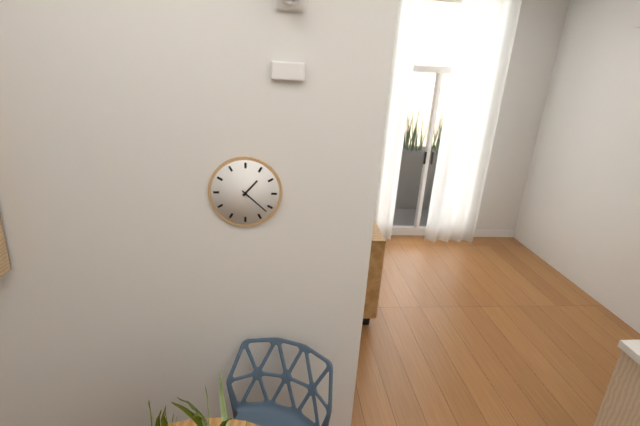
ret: {"hour": 1, "minute": 22}
